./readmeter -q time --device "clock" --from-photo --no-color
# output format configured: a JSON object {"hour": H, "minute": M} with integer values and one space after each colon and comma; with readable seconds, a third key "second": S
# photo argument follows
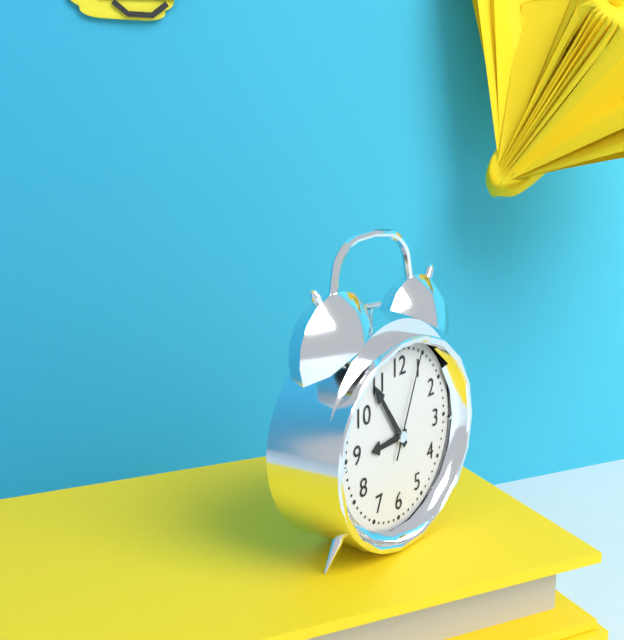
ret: {"hour": 8, "minute": 54, "second": 4}
